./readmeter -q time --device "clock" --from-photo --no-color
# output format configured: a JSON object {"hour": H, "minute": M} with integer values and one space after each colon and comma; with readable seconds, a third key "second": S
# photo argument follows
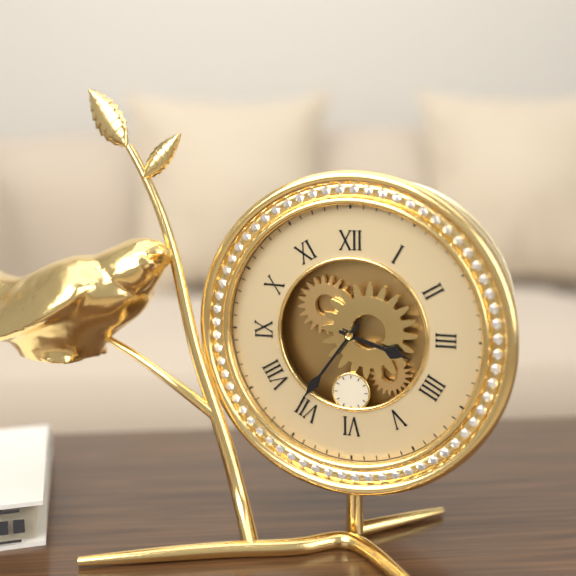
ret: {"hour": 3, "minute": 36}
